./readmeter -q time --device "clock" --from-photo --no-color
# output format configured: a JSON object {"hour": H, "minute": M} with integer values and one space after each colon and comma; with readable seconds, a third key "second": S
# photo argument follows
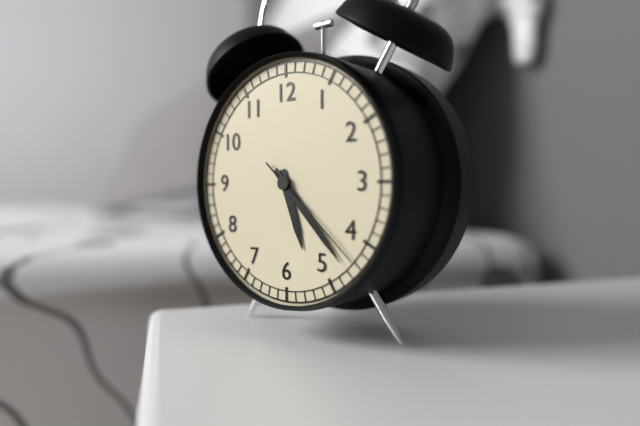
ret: {"hour": 5, "minute": 23, "second": 22}
